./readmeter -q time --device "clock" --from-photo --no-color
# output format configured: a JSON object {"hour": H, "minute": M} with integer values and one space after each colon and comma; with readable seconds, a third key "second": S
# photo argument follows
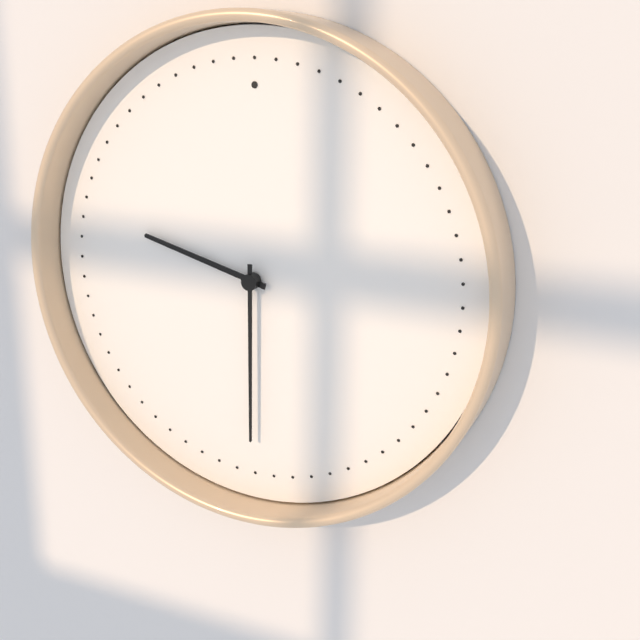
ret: {"hour": 9, "minute": 30}
